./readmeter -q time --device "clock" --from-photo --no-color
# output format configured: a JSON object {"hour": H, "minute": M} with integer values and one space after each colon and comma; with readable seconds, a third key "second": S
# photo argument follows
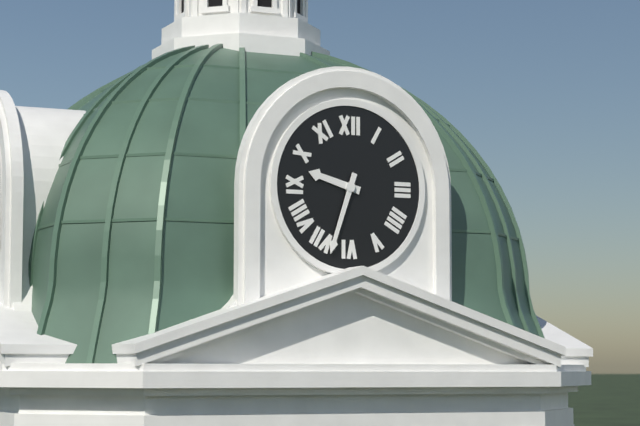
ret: {"hour": 9, "minute": 33}
